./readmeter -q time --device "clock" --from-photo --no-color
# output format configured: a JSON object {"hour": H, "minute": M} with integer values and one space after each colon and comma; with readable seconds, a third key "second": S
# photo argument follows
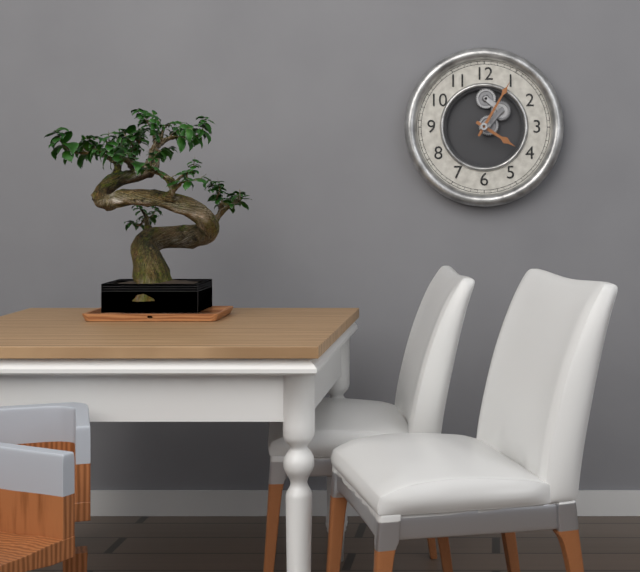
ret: {"hour": 4, "minute": 5}
